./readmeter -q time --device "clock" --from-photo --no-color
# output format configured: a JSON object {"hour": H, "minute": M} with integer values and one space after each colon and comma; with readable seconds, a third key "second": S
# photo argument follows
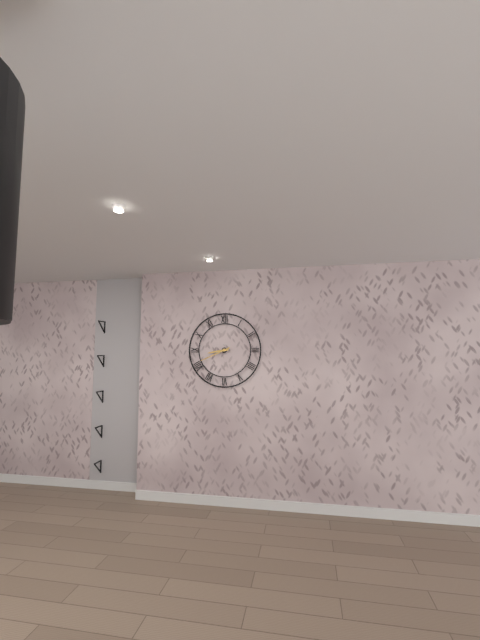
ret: {"hour": 8, "minute": 41}
